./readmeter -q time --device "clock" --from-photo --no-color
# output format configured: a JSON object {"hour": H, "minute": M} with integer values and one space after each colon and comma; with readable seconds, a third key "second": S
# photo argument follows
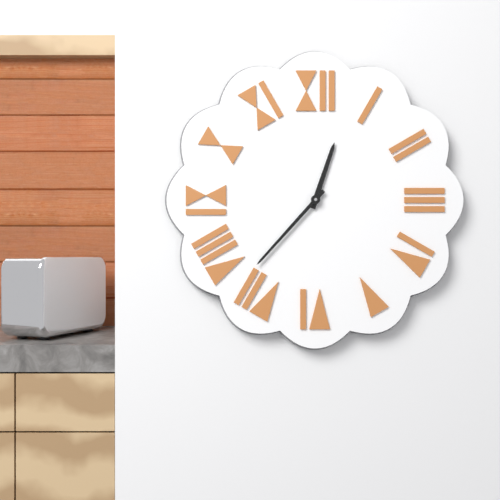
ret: {"hour": 12, "minute": 37}
